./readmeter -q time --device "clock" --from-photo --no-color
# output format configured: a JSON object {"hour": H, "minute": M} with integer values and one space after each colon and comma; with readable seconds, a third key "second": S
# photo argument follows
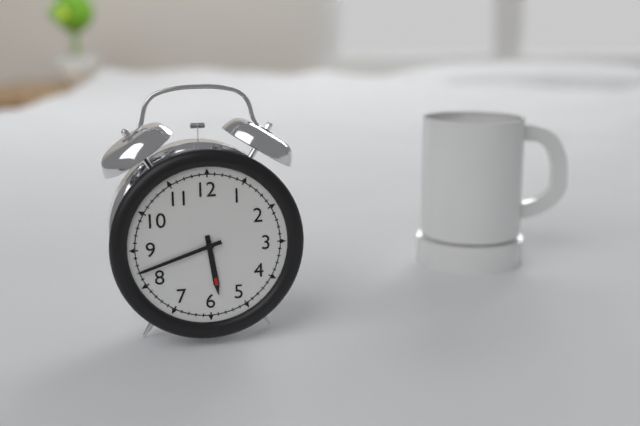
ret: {"hour": 5, "minute": 42}
